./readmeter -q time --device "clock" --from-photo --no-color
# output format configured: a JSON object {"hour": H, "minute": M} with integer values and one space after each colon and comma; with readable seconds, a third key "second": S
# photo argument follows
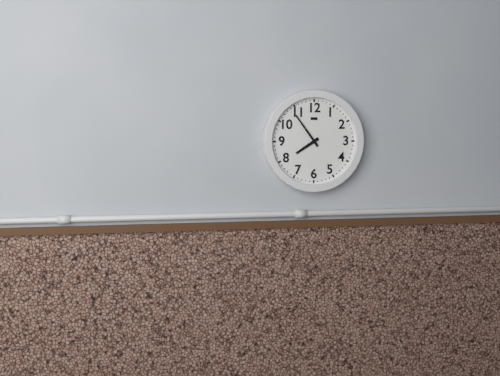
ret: {"hour": 7, "minute": 54}
